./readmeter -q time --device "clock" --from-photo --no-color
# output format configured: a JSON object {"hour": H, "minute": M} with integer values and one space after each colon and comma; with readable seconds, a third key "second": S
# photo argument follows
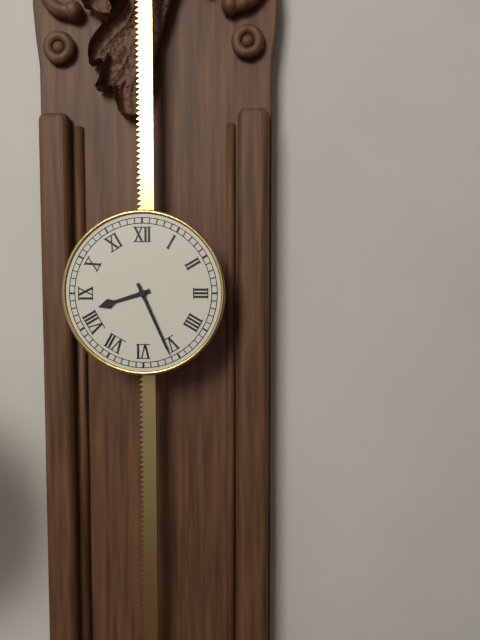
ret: {"hour": 8, "minute": 26}
